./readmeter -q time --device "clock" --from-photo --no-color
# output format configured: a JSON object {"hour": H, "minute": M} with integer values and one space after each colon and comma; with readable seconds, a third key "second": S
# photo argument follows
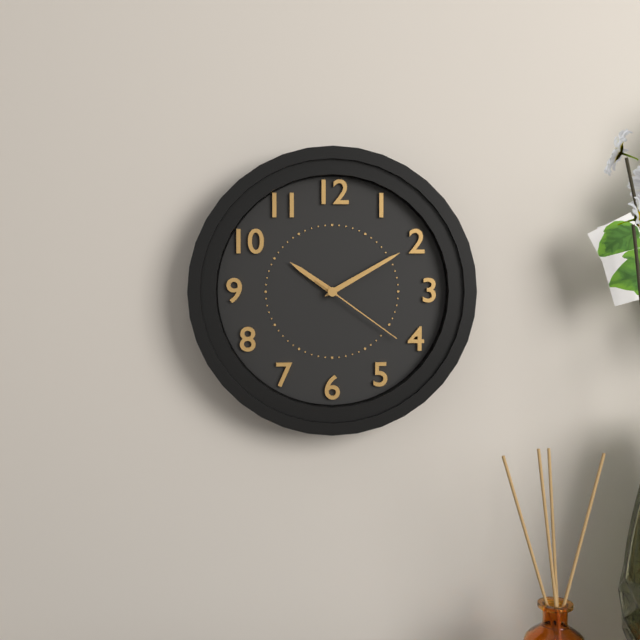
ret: {"hour": 10, "minute": 10, "second": 21}
